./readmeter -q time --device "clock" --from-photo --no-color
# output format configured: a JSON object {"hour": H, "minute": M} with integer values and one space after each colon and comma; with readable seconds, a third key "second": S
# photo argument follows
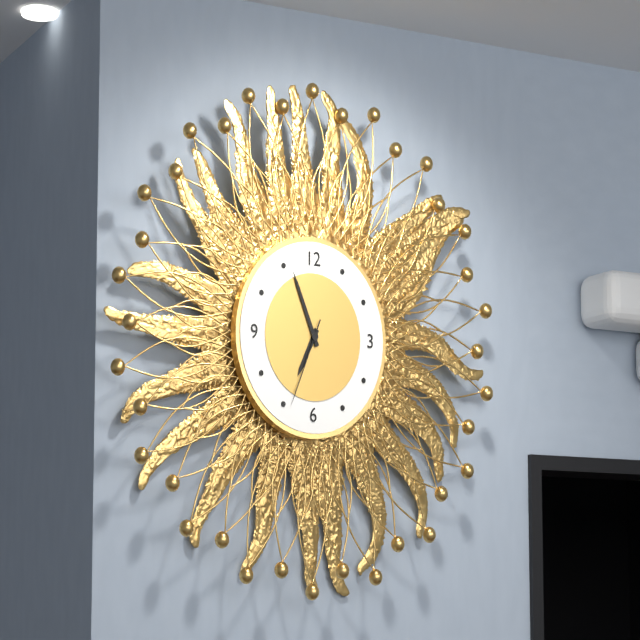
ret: {"hour": 6, "minute": 56, "second": 34}
